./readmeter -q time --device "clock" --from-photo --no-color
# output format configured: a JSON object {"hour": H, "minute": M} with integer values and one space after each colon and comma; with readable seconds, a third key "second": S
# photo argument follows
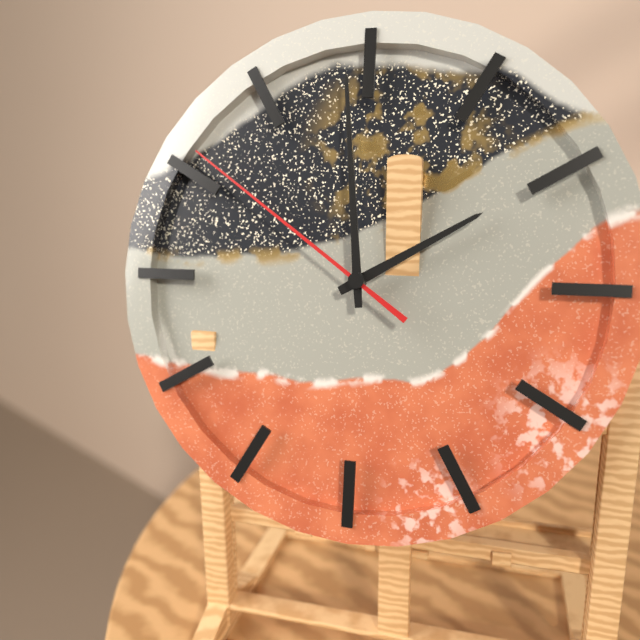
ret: {"hour": 1, "minute": 59, "second": 51}
